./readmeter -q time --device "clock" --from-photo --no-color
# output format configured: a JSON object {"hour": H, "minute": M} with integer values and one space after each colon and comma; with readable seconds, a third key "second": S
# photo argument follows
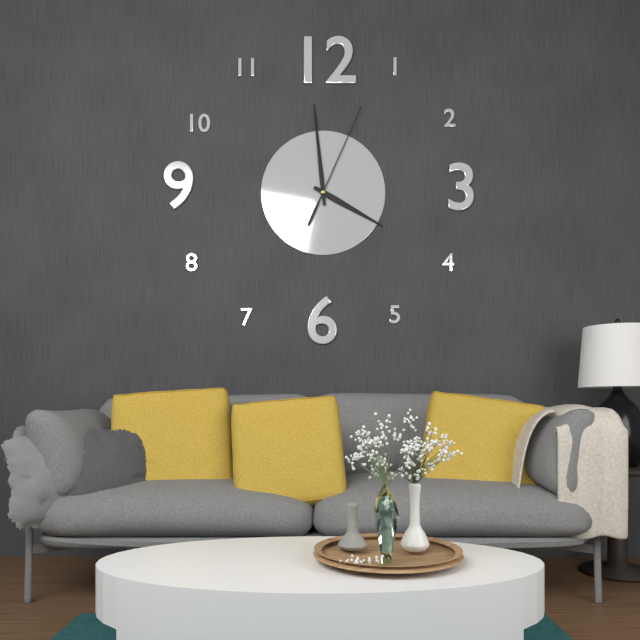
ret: {"hour": 3, "minute": 59, "second": 4}
